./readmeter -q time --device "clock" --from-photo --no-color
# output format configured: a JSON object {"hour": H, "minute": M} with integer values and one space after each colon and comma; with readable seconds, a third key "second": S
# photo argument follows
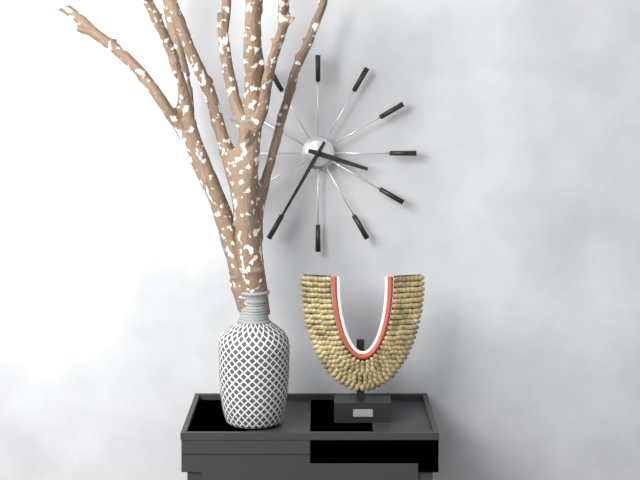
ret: {"hour": 3, "minute": 35}
